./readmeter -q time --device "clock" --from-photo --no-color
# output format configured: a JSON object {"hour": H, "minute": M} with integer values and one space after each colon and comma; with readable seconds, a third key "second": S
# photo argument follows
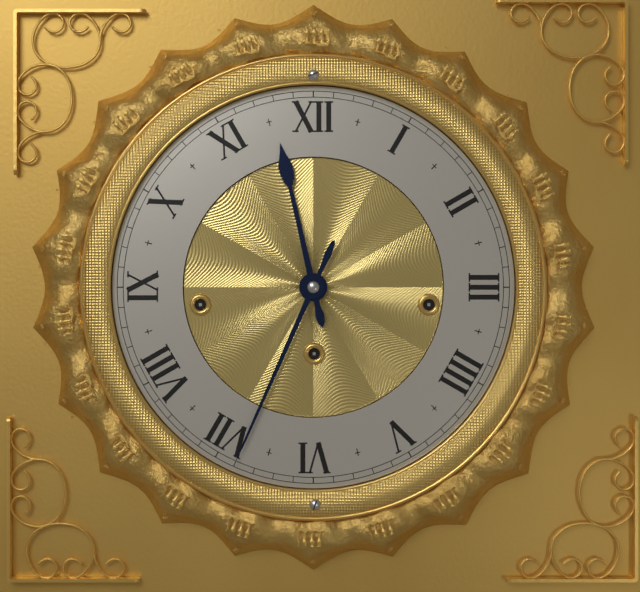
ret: {"hour": 11, "minute": 34}
